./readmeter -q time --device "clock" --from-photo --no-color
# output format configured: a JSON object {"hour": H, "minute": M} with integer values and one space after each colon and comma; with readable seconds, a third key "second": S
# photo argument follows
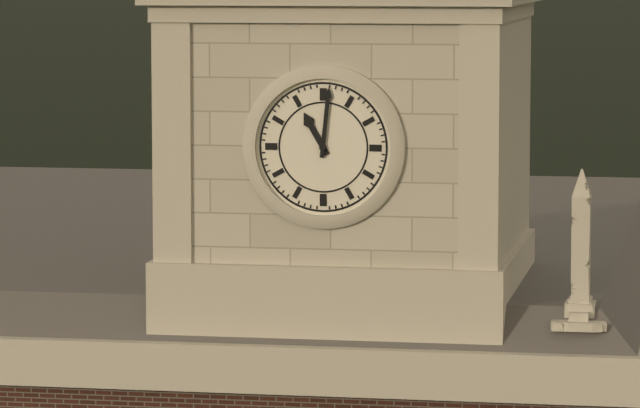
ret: {"hour": 11, "minute": 1}
